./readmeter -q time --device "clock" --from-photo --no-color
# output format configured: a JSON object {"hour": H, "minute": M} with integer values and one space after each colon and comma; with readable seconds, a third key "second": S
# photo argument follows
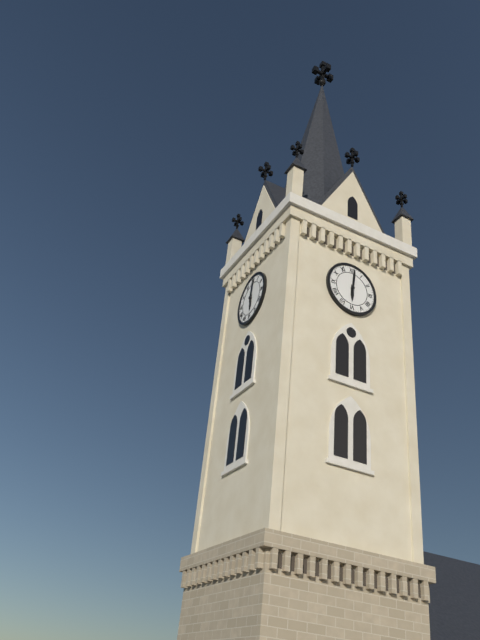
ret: {"hour": 6, "minute": 1}
